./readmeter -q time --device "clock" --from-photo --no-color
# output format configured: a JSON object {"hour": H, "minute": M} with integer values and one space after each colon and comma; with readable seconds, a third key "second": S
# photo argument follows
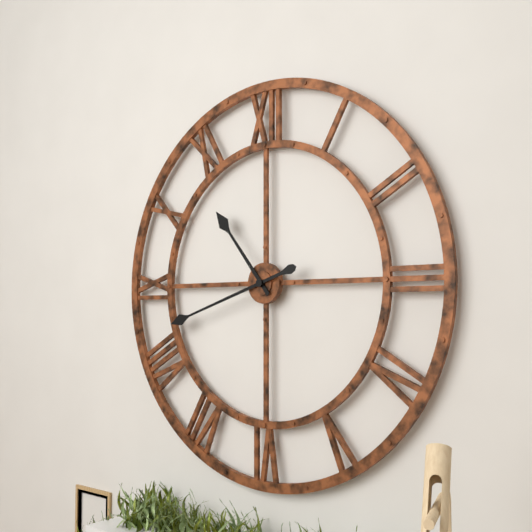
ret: {"hour": 10, "minute": 42}
